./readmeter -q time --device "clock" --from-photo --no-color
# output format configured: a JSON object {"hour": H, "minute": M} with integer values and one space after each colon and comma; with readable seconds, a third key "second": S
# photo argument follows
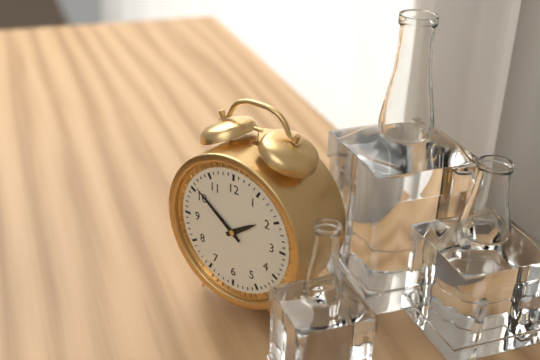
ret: {"hour": 1, "minute": 51}
